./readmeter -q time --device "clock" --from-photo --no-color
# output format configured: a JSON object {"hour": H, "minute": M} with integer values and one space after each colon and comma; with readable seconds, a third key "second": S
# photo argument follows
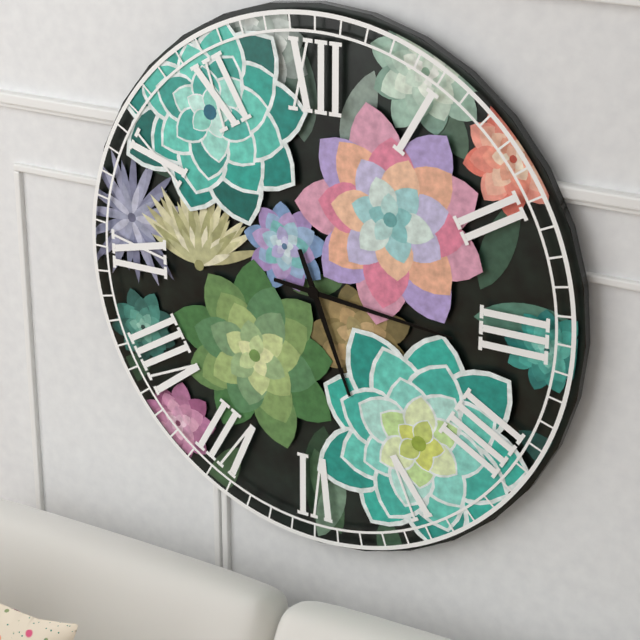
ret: {"hour": 5, "minute": 16}
